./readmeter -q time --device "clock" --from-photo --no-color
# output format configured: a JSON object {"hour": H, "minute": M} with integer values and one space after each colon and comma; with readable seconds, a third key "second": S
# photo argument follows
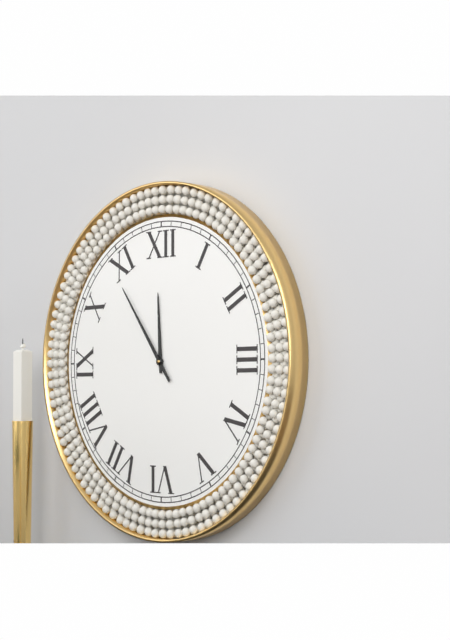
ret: {"hour": 11, "minute": 54}
